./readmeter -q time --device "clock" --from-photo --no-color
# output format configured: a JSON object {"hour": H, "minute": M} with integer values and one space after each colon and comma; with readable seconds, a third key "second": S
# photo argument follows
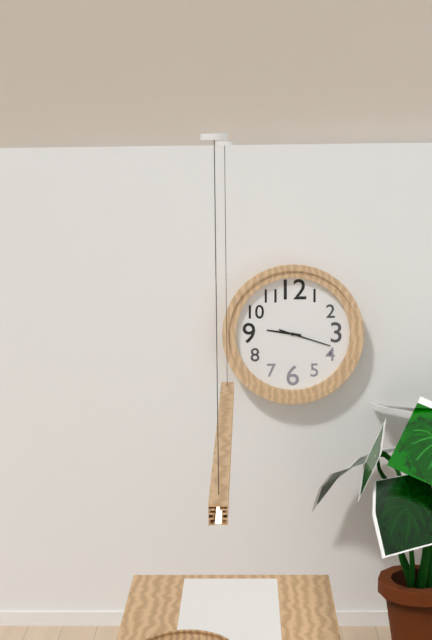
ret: {"hour": 9, "minute": 18}
